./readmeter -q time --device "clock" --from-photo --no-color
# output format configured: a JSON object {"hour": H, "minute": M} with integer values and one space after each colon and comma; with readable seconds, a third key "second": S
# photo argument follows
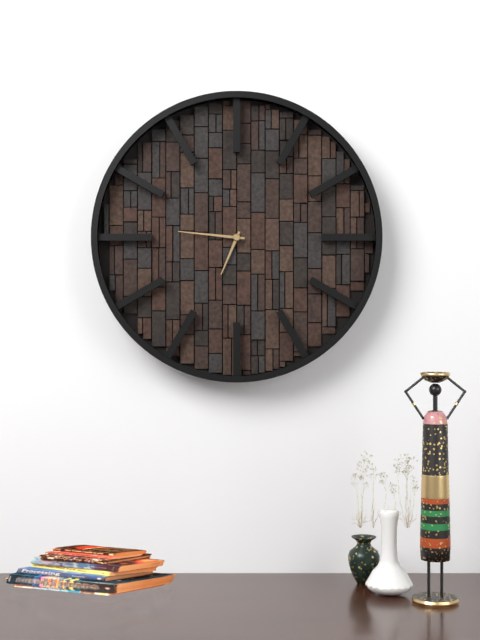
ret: {"hour": 6, "minute": 46}
